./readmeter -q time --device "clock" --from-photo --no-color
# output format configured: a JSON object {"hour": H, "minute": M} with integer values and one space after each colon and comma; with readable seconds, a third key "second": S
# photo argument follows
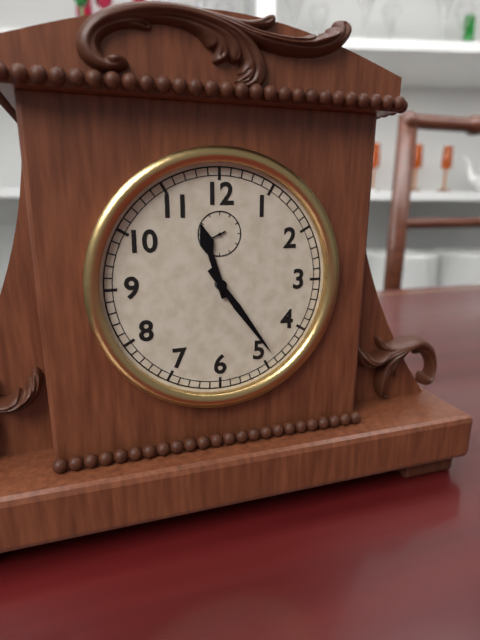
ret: {"hour": 11, "minute": 24}
